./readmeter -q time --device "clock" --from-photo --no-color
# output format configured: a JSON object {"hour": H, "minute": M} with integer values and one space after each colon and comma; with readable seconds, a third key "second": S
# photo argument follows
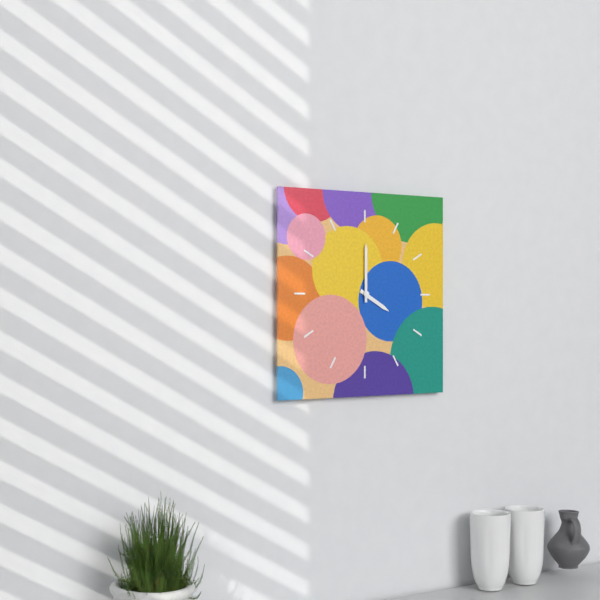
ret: {"hour": 4, "minute": 0}
